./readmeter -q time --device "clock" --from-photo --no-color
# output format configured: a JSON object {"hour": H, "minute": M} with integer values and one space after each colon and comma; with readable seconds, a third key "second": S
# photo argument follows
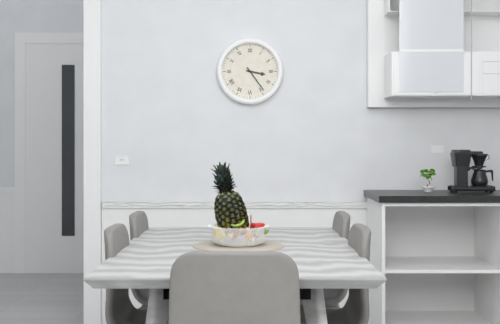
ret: {"hour": 3, "minute": 24}
